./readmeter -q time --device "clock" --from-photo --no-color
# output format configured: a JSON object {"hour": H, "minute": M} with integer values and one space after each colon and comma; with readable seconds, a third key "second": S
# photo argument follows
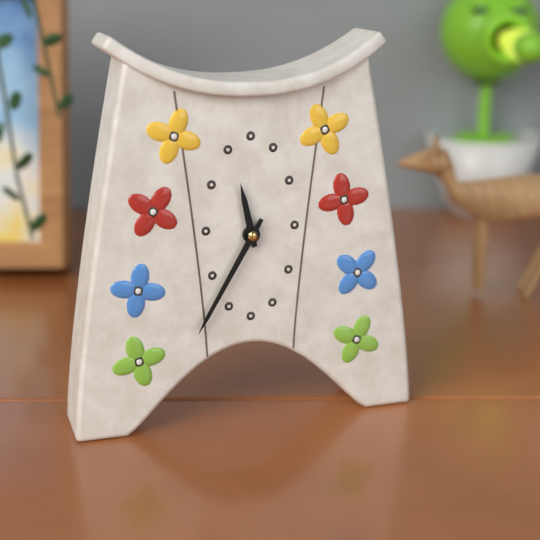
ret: {"hour": 11, "minute": 35}
